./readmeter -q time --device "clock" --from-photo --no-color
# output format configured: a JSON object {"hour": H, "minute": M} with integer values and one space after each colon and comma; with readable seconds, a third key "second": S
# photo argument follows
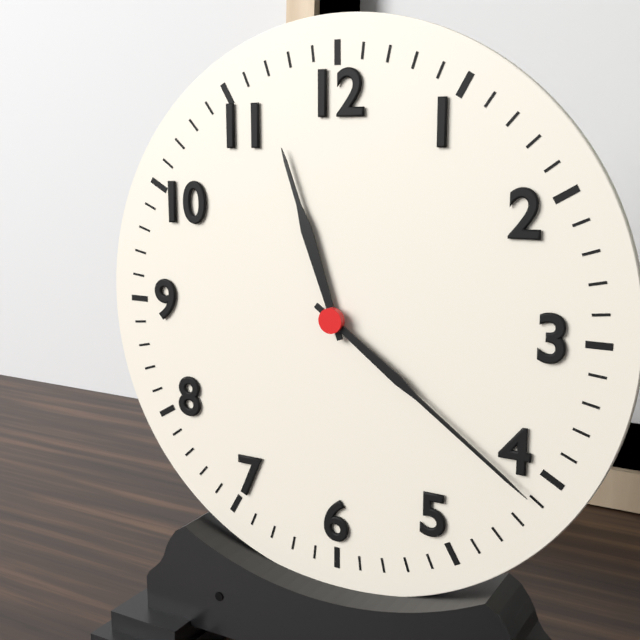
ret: {"hour": 11, "minute": 21}
